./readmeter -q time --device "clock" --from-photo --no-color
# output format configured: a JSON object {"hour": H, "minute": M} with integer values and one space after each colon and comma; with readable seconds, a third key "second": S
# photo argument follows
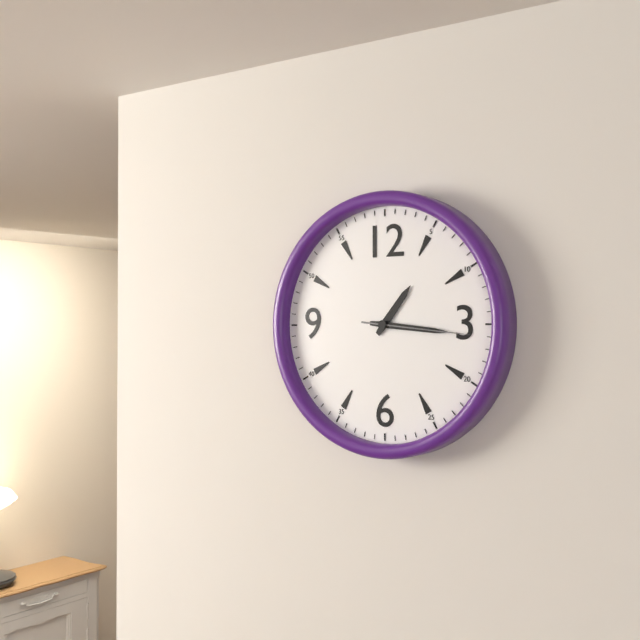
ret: {"hour": 1, "minute": 16, "second": 16}
